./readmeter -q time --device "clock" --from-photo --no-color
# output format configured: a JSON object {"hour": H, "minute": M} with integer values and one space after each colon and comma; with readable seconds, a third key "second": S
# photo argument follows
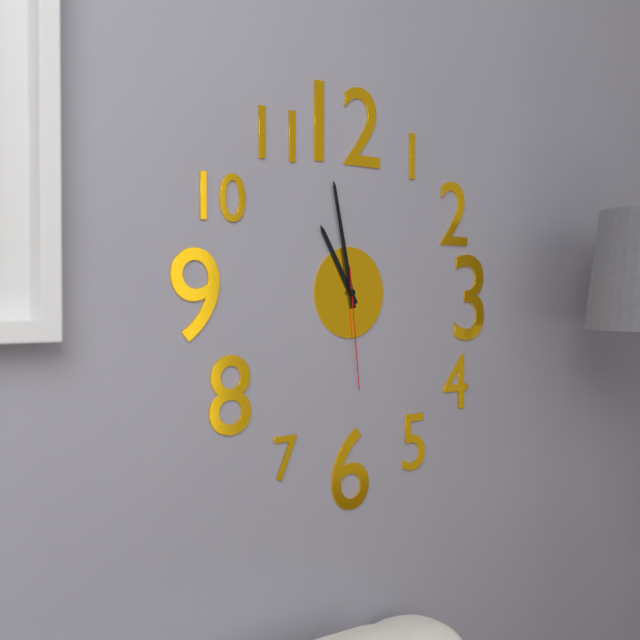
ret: {"hour": 10, "minute": 58, "second": 29}
